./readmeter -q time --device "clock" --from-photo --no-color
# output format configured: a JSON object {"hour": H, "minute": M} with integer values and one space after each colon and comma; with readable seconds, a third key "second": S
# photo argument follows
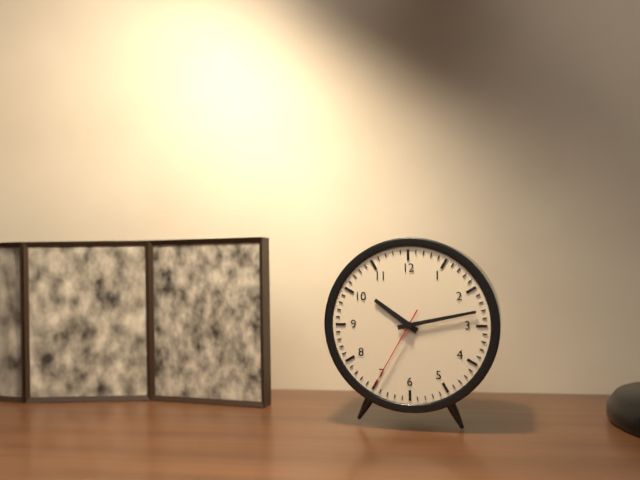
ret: {"hour": 10, "minute": 13, "second": 35}
